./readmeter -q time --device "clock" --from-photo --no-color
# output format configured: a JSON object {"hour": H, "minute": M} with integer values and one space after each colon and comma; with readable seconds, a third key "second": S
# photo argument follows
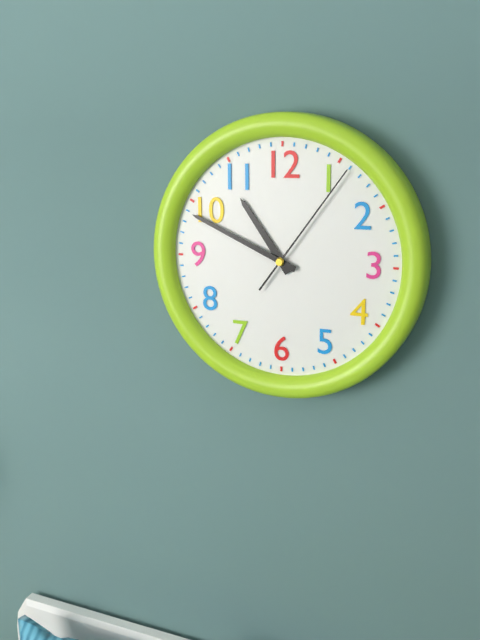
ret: {"hour": 10, "minute": 49, "second": 6}
